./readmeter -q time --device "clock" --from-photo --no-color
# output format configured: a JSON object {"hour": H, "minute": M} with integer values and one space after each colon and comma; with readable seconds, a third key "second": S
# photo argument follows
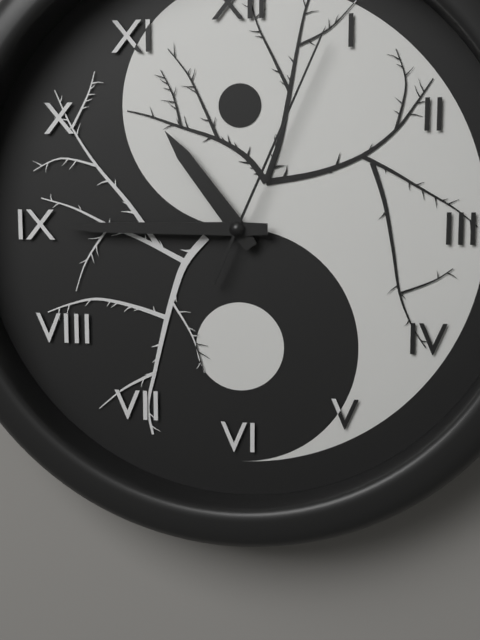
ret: {"hour": 10, "minute": 45, "second": 4}
